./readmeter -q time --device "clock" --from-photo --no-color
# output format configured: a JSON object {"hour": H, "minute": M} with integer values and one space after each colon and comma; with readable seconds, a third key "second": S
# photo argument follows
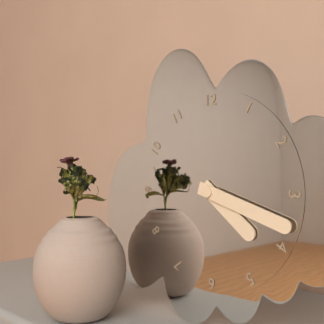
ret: {"hour": 4, "minute": 18}
